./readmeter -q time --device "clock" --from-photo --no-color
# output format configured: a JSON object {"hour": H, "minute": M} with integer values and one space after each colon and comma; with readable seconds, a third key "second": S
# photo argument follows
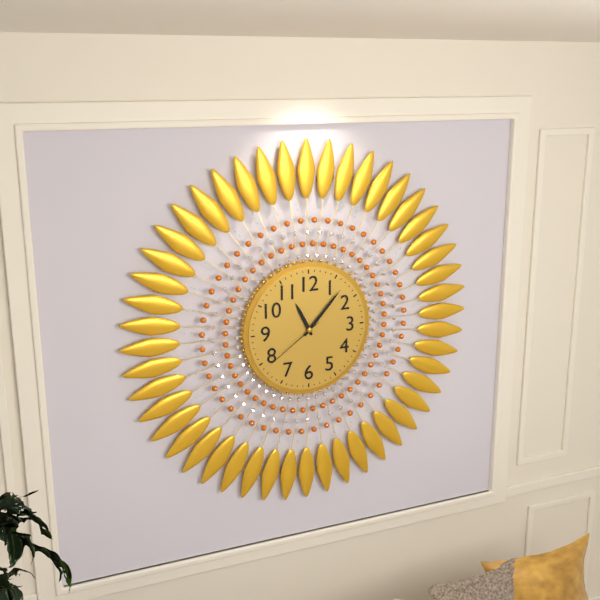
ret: {"hour": 11, "minute": 7, "second": 39}
